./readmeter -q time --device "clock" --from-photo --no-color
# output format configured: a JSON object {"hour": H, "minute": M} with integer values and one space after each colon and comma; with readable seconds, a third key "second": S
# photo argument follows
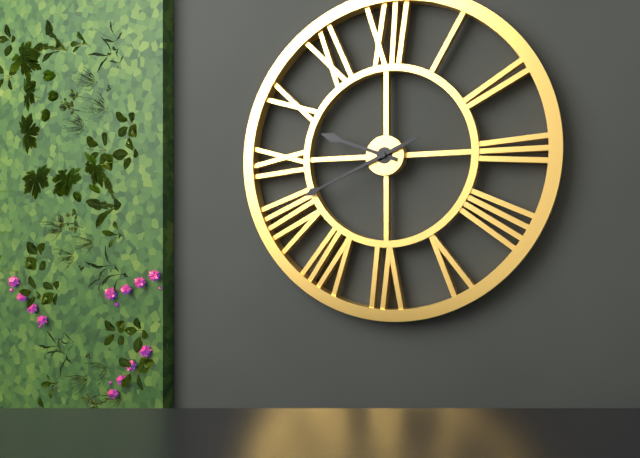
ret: {"hour": 9, "minute": 41}
